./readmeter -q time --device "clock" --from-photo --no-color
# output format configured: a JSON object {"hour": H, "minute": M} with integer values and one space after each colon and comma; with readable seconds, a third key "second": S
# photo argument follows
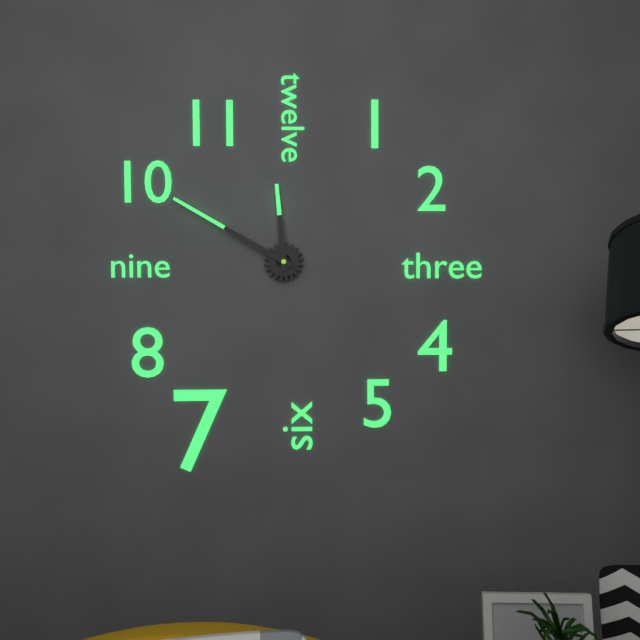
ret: {"hour": 11, "minute": 50}
